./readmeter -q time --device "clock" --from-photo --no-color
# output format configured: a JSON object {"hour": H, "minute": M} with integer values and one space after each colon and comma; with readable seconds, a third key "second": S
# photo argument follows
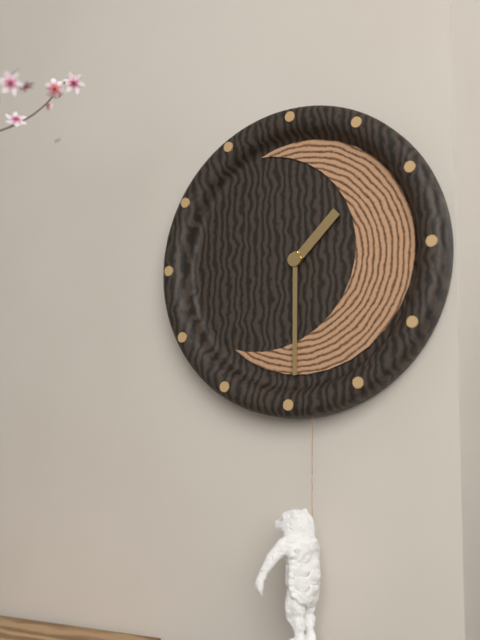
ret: {"hour": 1, "minute": 30}
